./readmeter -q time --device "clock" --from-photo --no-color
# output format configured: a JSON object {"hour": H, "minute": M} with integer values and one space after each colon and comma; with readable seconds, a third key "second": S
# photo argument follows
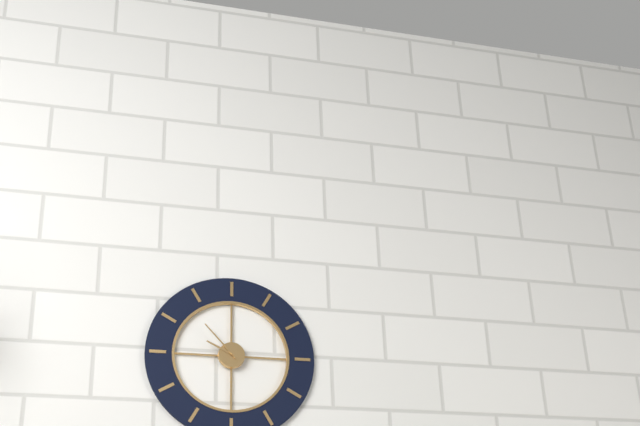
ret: {"hour": 9, "minute": 53}
